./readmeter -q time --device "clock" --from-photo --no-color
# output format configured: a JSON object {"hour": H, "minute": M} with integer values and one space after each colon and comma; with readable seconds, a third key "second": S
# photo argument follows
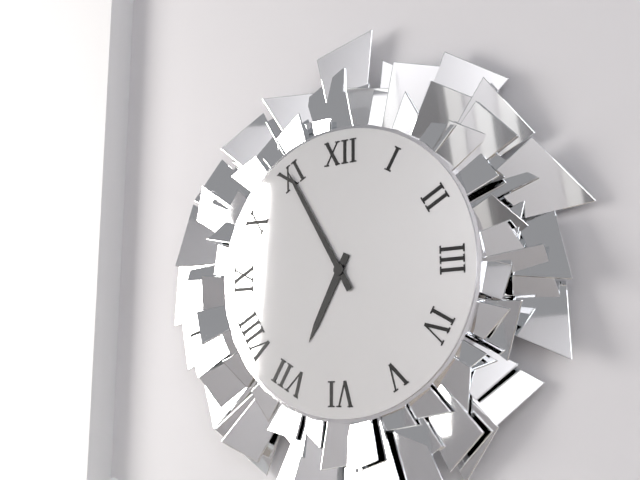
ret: {"hour": 6, "minute": 55}
